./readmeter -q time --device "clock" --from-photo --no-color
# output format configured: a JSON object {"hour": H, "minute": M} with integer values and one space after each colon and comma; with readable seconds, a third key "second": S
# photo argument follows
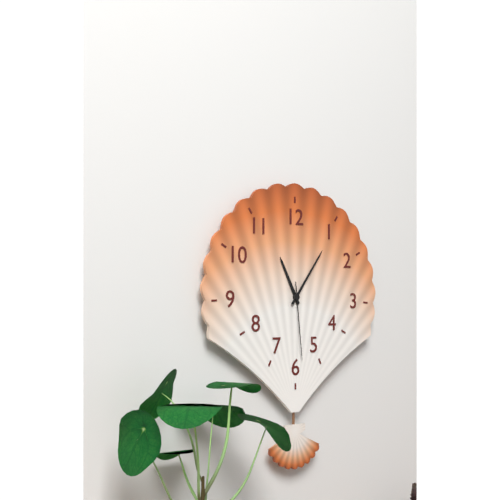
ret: {"hour": 11, "minute": 6, "second": 29}
